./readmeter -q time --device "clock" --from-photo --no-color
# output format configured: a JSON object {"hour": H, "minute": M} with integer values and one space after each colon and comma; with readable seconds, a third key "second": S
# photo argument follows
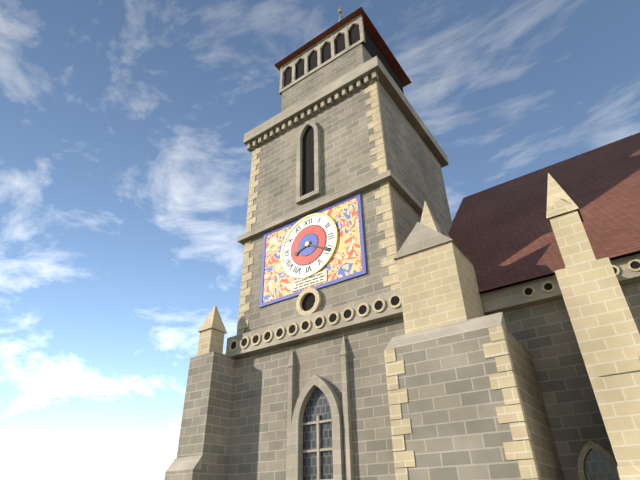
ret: {"hour": 8, "minute": 20}
